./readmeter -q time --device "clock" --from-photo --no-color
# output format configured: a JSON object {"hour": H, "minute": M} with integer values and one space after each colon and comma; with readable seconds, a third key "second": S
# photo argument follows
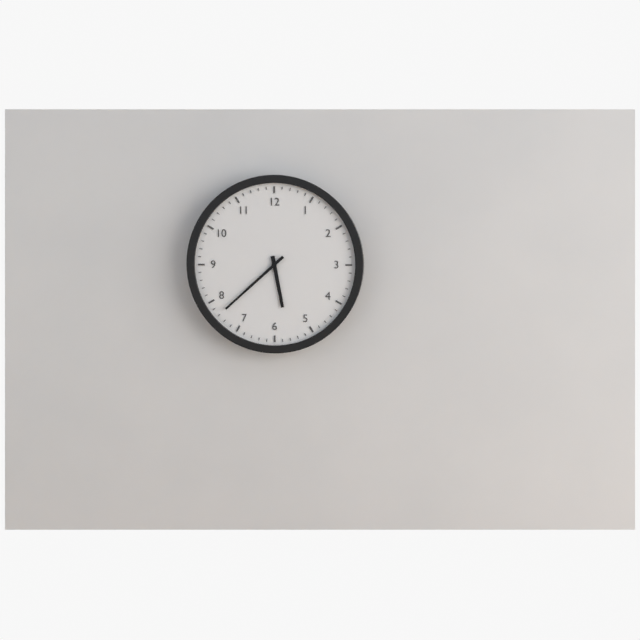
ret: {"hour": 5, "minute": 38}
